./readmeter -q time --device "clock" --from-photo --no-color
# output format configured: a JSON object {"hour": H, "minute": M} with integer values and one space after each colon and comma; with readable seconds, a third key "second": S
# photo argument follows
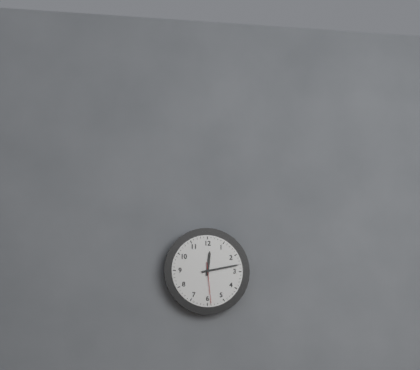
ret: {"hour": 12, "minute": 13}
